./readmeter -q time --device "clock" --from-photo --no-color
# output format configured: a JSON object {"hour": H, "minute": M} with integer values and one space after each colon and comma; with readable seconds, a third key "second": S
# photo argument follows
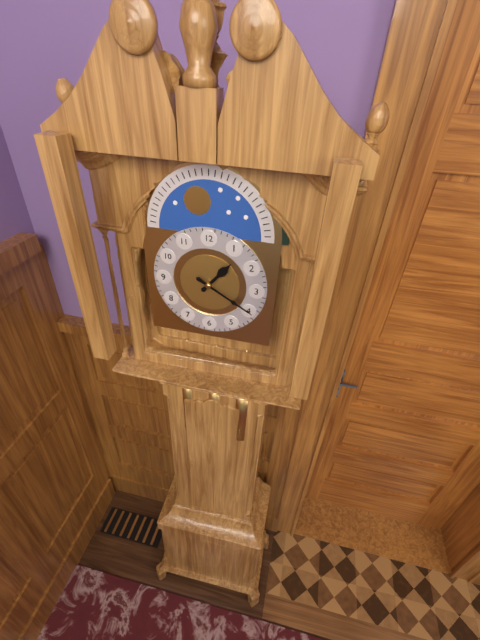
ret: {"hour": 1, "minute": 20}
